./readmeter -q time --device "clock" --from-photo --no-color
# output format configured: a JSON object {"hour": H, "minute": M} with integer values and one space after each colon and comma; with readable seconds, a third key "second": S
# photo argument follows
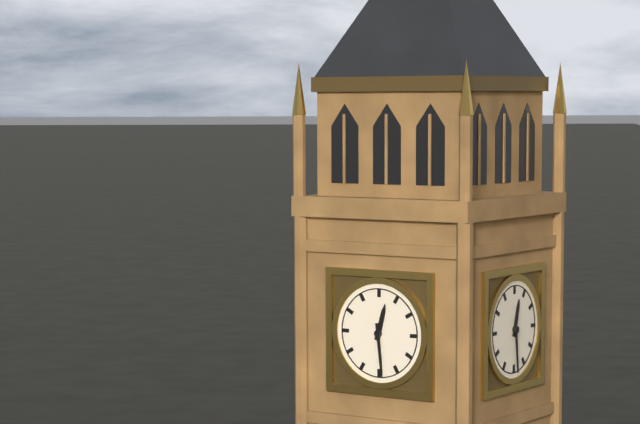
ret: {"hour": 12, "minute": 29}
